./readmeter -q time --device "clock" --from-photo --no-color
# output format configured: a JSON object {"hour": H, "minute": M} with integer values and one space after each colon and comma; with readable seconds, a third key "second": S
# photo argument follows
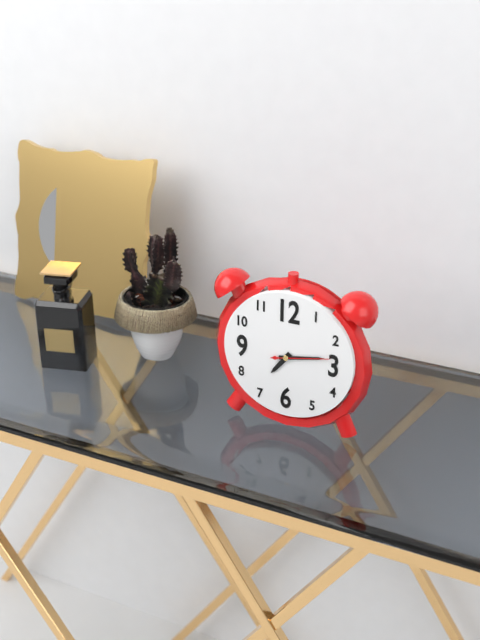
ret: {"hour": 7, "minute": 13, "second": 13}
